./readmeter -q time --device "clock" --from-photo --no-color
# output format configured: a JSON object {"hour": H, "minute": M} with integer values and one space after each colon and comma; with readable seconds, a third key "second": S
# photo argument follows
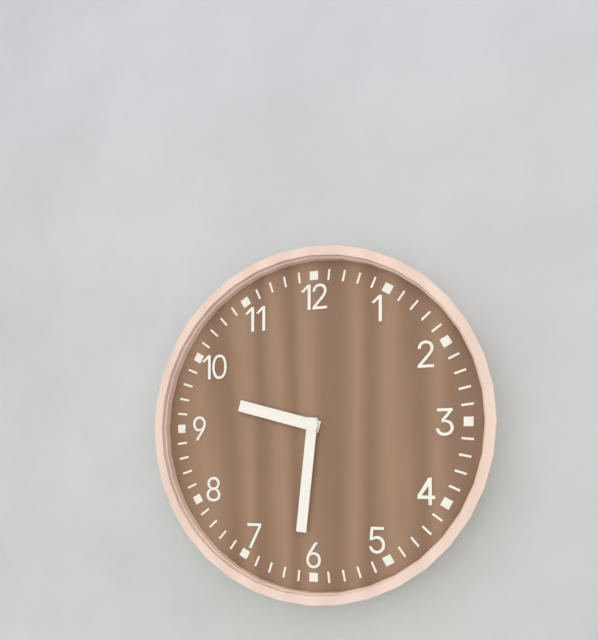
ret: {"hour": 9, "minute": 31}
